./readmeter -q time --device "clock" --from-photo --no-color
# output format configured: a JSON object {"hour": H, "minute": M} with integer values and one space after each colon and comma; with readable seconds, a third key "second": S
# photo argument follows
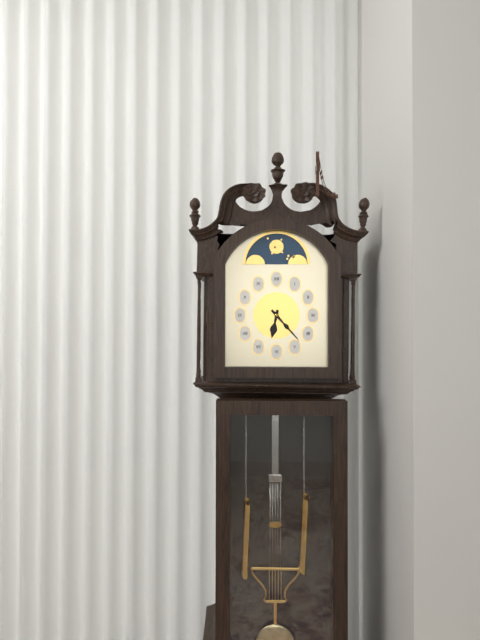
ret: {"hour": 6, "minute": 23}
